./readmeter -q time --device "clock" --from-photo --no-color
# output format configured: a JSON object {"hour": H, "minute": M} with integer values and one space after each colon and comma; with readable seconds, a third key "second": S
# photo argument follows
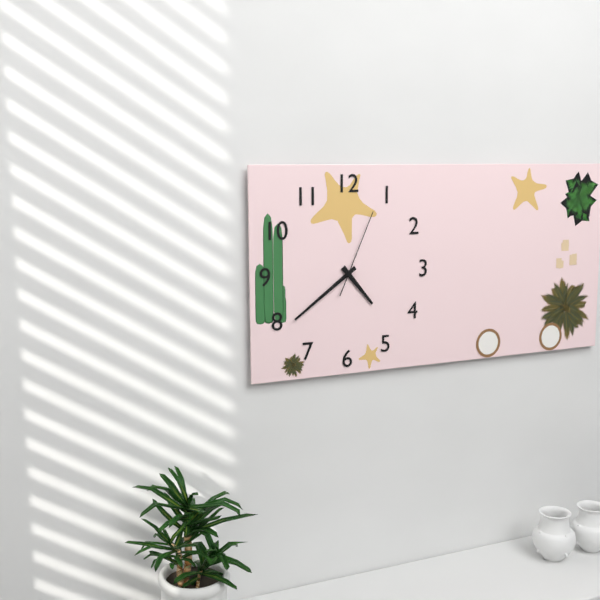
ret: {"hour": 4, "minute": 39, "second": 4}
